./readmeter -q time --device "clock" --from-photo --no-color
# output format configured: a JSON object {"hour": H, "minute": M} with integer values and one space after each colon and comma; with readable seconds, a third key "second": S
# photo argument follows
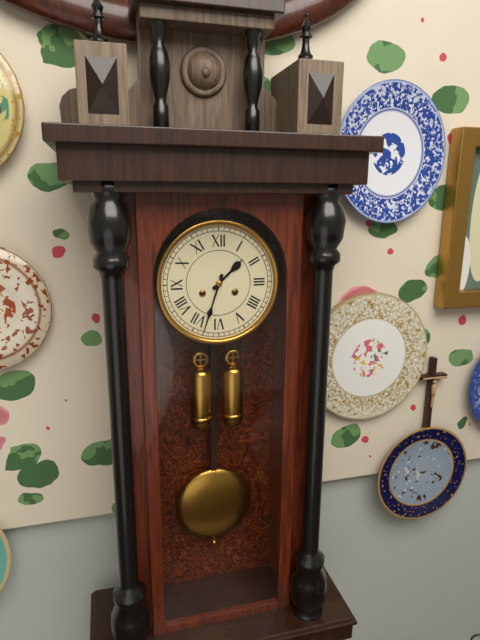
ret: {"hour": 1, "minute": 33}
